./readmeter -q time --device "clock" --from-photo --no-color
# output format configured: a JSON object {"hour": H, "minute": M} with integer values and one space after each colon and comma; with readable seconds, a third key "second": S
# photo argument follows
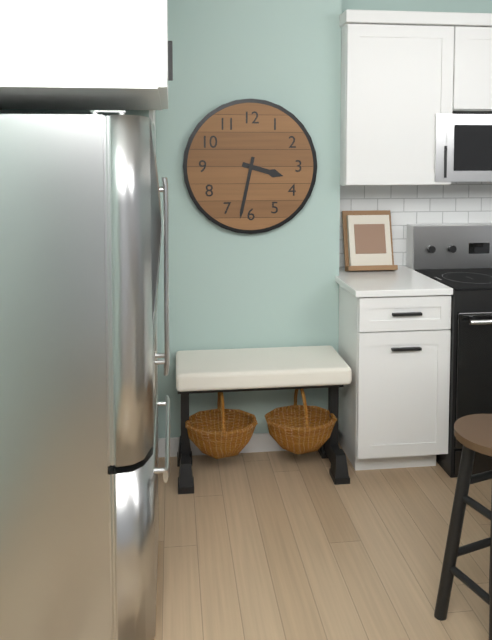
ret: {"hour": 3, "minute": 32}
